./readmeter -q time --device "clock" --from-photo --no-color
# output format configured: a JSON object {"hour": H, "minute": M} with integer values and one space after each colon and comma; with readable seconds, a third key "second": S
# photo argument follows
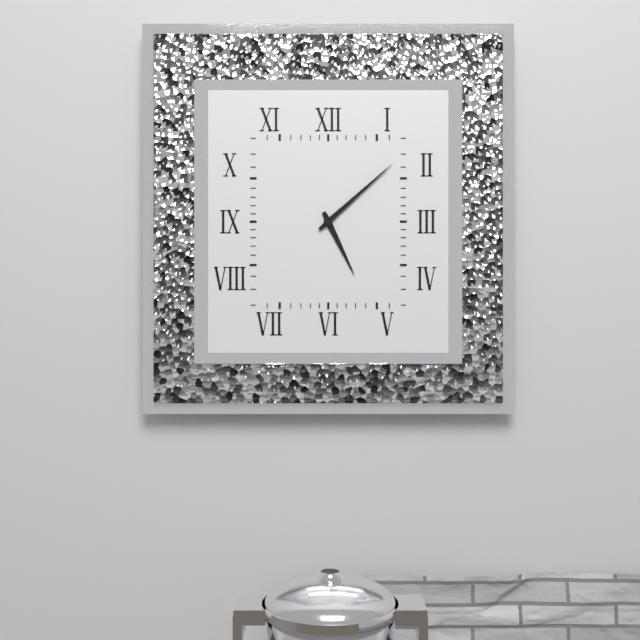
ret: {"hour": 5, "minute": 8}
